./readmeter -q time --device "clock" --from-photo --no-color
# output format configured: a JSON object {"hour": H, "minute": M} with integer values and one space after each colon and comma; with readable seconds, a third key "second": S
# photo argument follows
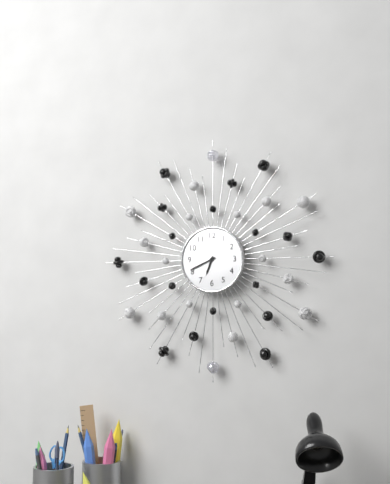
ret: {"hour": 6, "minute": 41}
